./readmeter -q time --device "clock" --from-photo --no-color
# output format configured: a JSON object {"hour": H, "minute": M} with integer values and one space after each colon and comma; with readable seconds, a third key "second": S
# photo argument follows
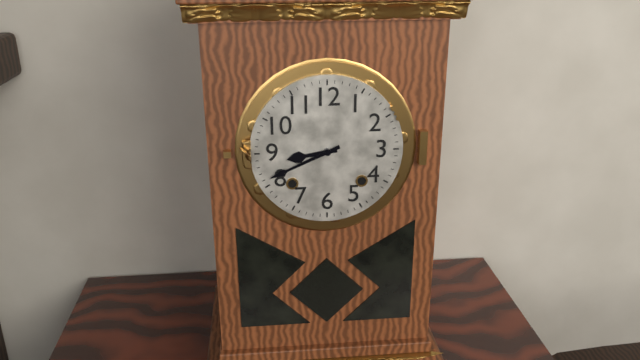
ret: {"hour": 8, "minute": 41}
